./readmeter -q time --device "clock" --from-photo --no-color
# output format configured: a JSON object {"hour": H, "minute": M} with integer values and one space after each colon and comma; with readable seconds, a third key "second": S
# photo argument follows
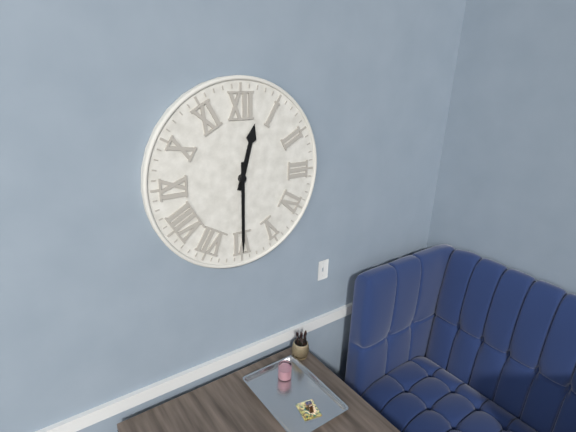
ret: {"hour": 12, "minute": 30}
